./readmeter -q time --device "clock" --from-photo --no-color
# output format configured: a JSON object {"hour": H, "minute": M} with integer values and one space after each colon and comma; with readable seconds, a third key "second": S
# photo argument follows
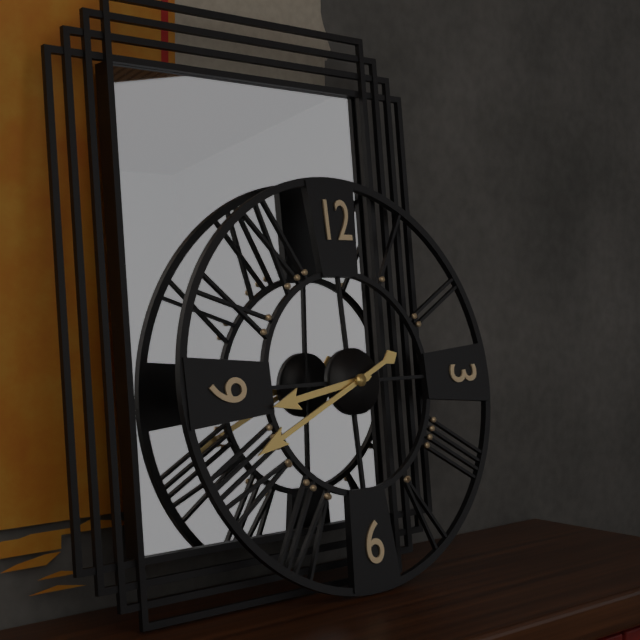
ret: {"hour": 8, "minute": 41}
